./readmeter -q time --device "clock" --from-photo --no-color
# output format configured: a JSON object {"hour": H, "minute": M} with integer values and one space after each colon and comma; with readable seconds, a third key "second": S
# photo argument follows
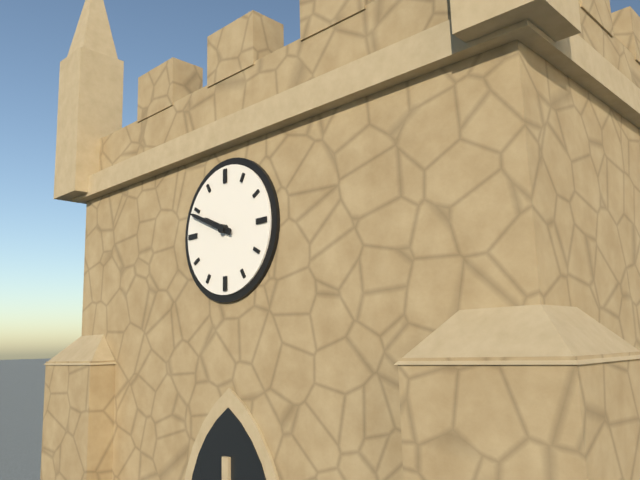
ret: {"hour": 9, "minute": 49}
